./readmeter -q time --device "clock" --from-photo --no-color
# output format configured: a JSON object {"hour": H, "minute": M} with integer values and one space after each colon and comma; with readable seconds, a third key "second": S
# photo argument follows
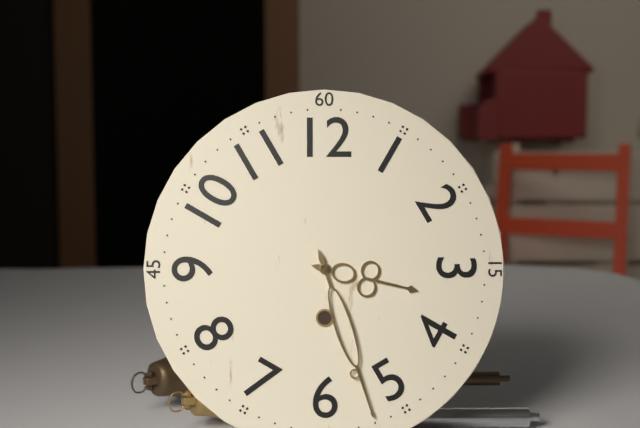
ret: {"hour": 3, "minute": 27}
